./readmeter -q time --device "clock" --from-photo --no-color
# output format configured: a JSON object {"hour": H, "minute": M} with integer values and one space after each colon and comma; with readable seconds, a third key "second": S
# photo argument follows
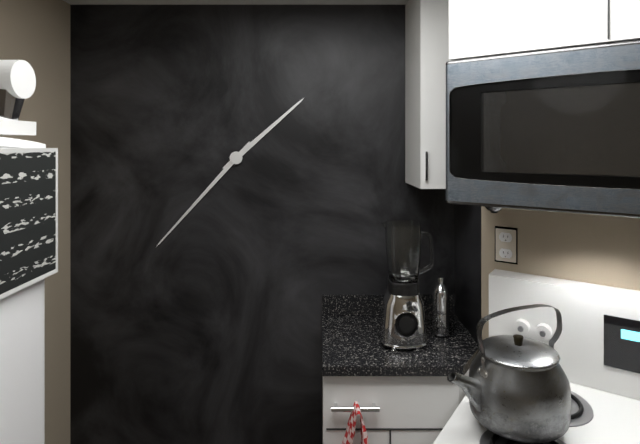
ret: {"hour": 1, "minute": 37}
